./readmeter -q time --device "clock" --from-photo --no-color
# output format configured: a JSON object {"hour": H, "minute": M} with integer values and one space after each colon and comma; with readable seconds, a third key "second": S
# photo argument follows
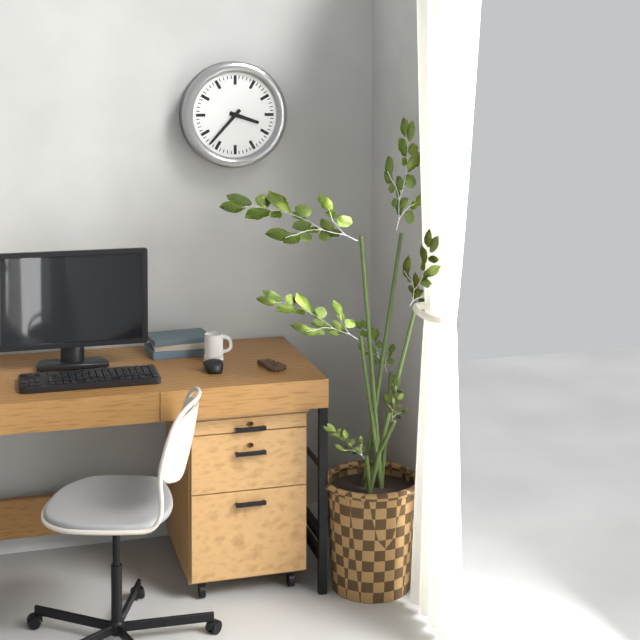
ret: {"hour": 3, "minute": 37}
